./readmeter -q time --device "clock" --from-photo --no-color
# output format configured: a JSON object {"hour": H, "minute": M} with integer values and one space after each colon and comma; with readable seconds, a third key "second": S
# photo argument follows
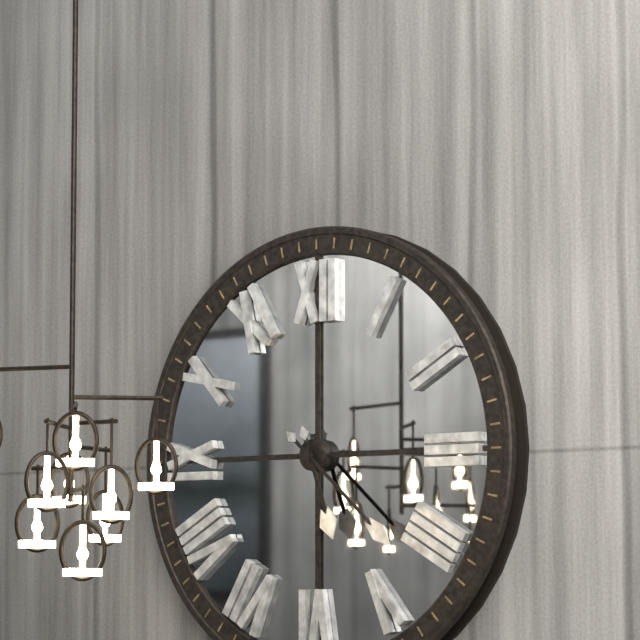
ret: {"hour": 5, "minute": 22}
